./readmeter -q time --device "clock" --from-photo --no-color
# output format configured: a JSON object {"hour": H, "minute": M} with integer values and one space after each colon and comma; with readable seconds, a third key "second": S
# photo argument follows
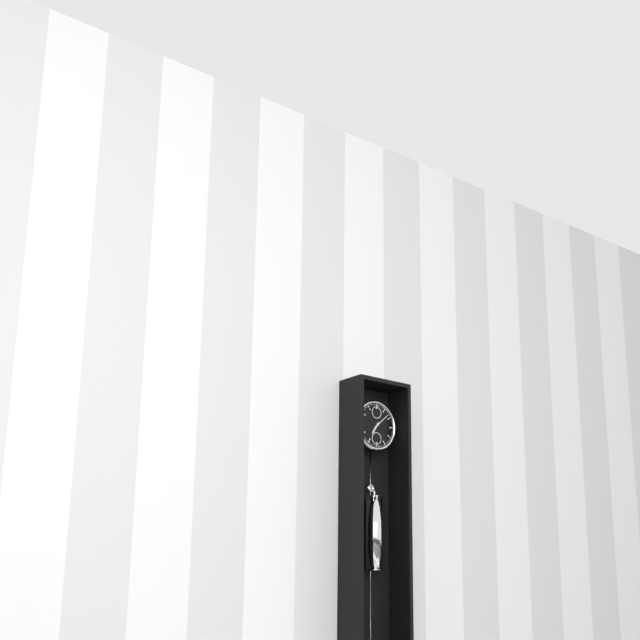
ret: {"hour": 7, "minute": 8}
